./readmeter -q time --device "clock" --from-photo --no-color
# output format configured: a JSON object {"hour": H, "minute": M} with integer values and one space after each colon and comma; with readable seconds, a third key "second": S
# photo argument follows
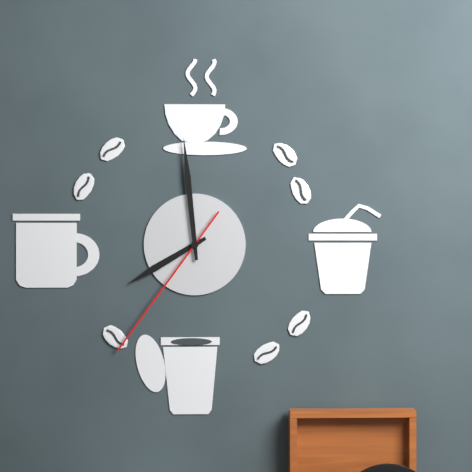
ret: {"hour": 7, "minute": 59, "second": 36}
